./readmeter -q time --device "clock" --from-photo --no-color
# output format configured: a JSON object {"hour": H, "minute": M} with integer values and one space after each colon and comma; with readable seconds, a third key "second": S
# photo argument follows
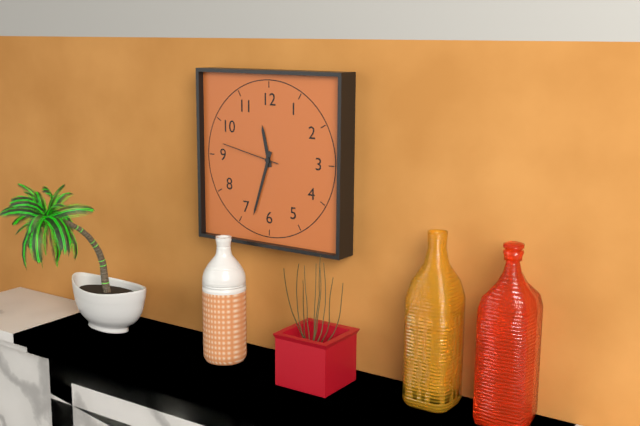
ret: {"hour": 11, "minute": 33, "second": 47}
